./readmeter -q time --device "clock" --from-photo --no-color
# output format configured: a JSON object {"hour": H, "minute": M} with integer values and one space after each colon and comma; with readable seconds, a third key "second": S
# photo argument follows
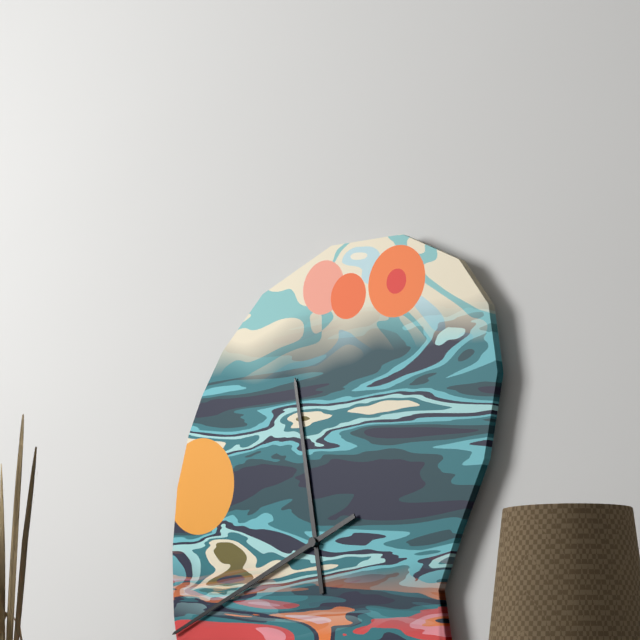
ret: {"hour": 11, "minute": 41}
